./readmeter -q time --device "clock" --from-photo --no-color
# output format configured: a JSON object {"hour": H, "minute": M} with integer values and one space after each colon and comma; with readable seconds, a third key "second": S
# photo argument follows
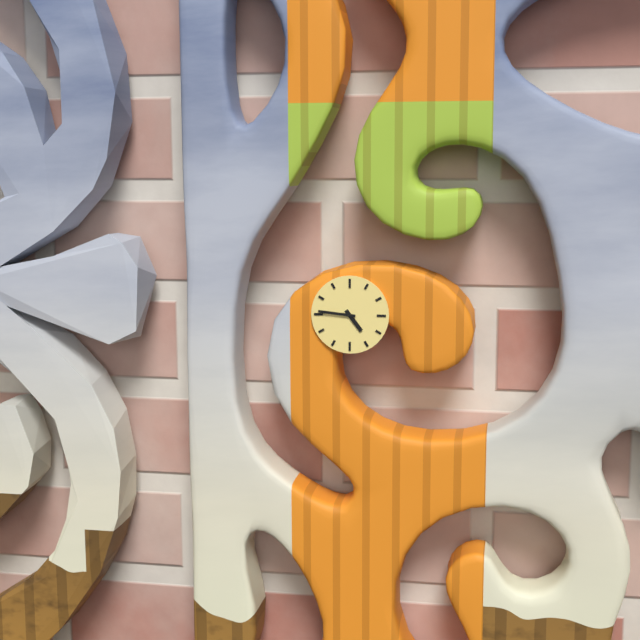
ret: {"hour": 4, "minute": 46}
